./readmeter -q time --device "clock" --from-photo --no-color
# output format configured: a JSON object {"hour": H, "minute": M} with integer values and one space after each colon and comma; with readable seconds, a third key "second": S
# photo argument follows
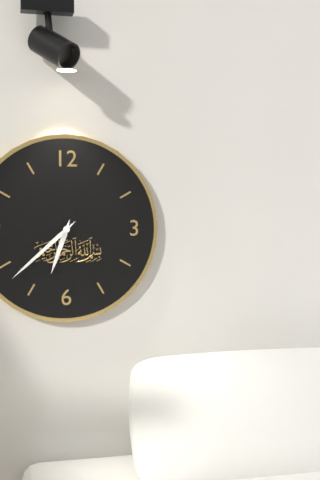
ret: {"hour": 6, "minute": 38}
